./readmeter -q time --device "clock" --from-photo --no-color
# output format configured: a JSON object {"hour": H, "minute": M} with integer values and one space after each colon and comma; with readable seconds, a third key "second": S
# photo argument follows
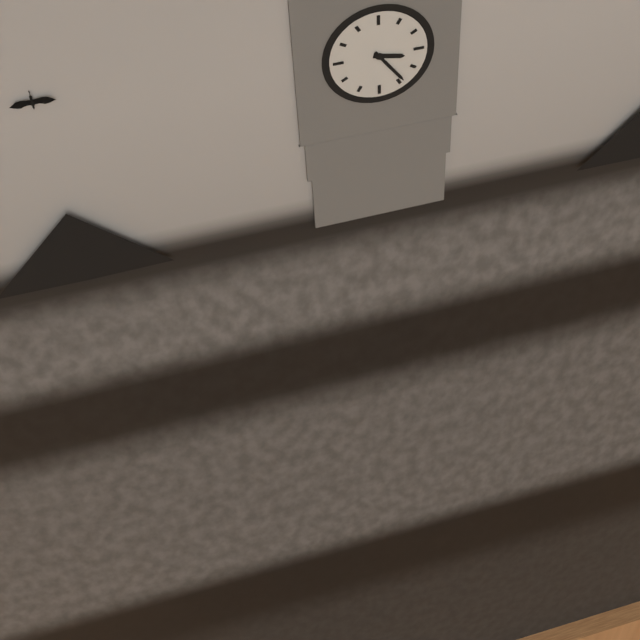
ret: {"hour": 3, "minute": 24}
